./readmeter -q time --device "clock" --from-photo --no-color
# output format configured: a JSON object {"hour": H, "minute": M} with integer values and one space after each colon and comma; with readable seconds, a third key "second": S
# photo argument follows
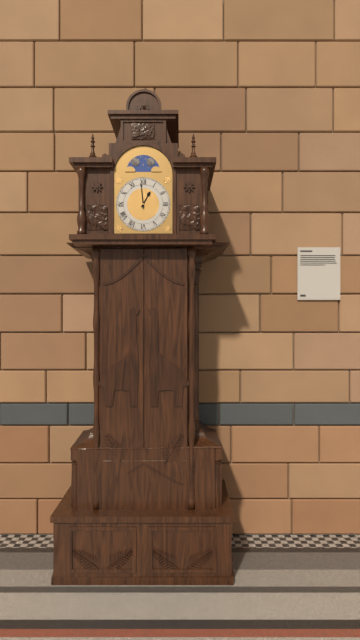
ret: {"hour": 12, "minute": 59}
